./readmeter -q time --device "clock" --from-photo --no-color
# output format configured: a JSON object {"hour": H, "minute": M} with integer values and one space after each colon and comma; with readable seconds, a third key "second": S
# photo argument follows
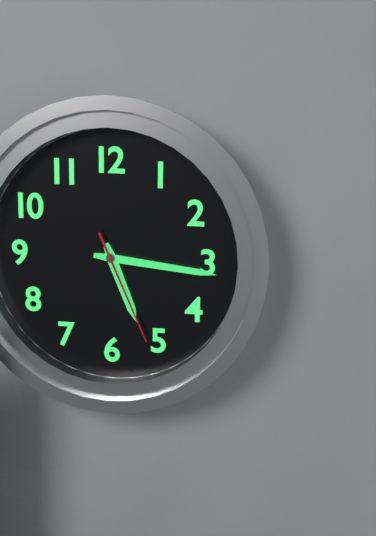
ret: {"hour": 5, "minute": 16, "second": 26}
